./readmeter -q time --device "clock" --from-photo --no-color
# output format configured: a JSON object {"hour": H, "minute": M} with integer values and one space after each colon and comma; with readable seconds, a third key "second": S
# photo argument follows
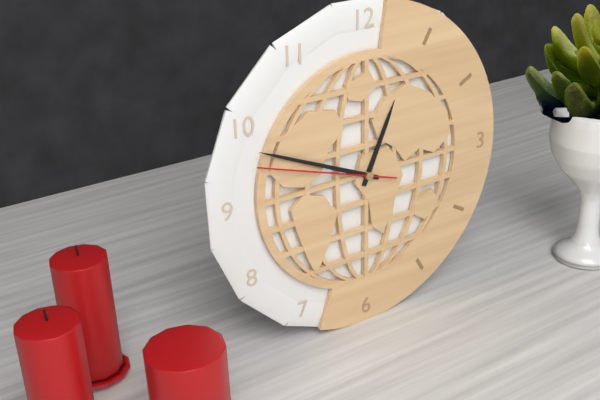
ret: {"hour": 12, "minute": 49, "second": 48}
